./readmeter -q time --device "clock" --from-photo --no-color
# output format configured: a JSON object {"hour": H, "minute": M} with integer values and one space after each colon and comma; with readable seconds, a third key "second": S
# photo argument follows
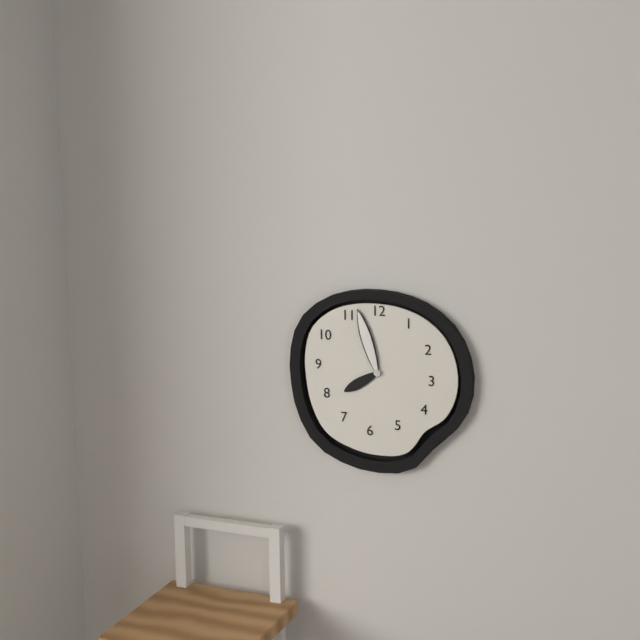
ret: {"hour": 7, "minute": 57}
